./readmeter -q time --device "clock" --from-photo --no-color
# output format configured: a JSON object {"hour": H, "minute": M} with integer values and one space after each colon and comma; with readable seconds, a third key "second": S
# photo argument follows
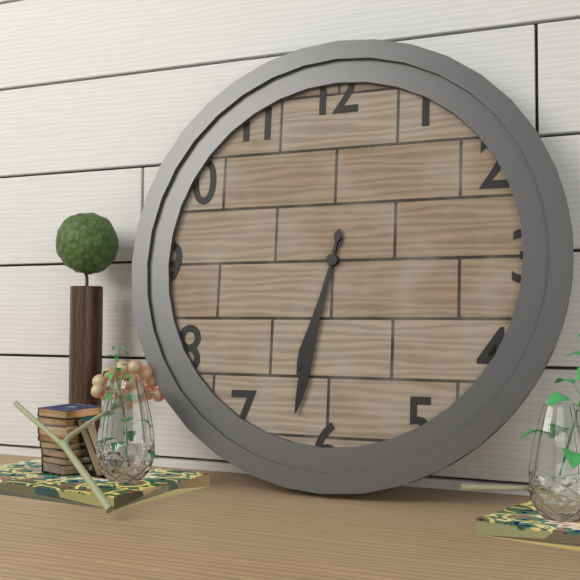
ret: {"hour": 6, "minute": 32}
